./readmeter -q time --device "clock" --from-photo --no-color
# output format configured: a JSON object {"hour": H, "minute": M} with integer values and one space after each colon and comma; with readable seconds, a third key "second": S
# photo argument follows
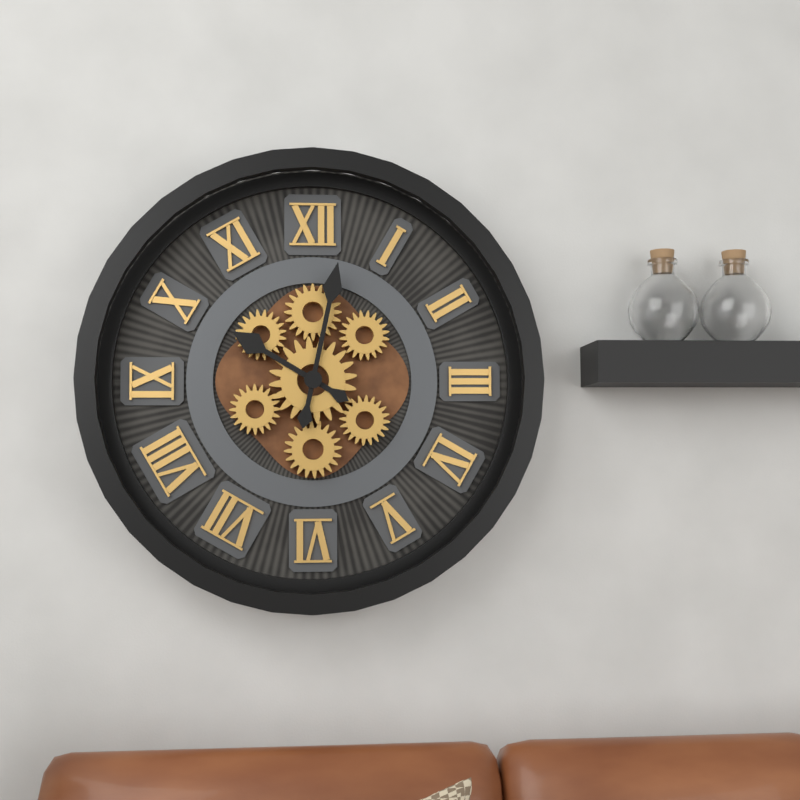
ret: {"hour": 10, "minute": 2}
